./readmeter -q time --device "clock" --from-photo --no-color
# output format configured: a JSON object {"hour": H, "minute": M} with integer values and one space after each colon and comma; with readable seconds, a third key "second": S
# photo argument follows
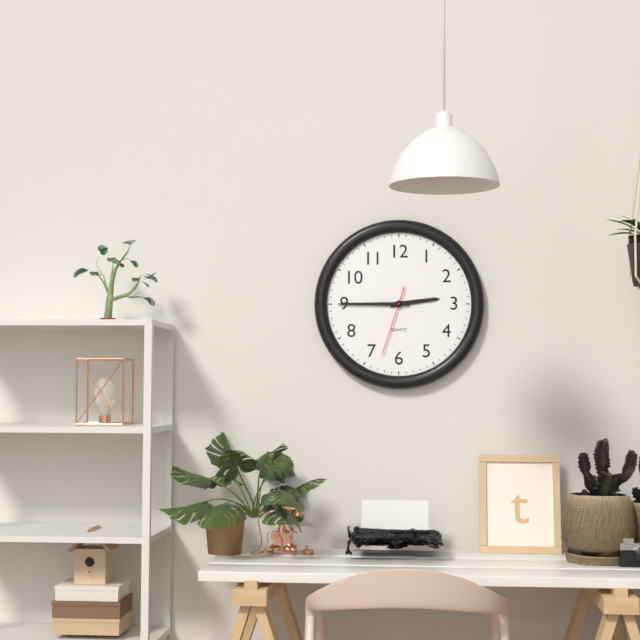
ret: {"hour": 2, "minute": 45, "second": 33}
